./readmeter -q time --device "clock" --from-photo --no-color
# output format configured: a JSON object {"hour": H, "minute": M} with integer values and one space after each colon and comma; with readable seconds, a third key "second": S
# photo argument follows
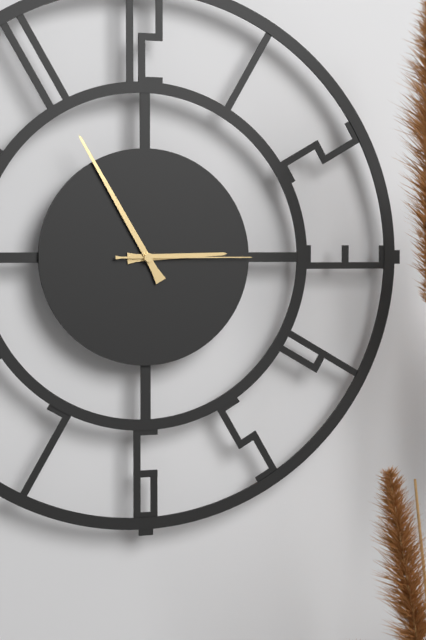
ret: {"hour": 2, "minute": 55, "second": 15}
